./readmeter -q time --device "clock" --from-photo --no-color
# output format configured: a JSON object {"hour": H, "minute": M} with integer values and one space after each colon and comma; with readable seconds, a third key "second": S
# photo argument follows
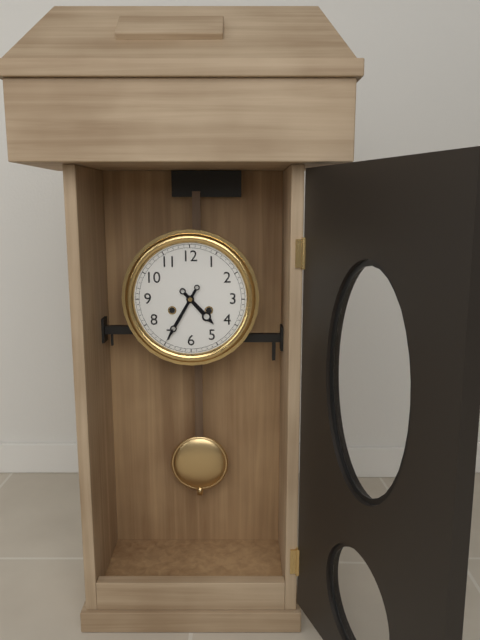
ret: {"hour": 4, "minute": 35}
